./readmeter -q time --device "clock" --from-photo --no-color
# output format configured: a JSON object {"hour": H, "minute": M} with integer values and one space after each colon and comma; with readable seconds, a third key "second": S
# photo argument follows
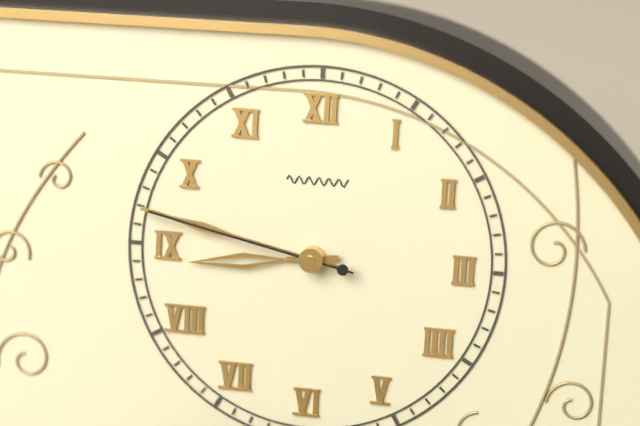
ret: {"hour": 8, "minute": 47, "second": 47}
